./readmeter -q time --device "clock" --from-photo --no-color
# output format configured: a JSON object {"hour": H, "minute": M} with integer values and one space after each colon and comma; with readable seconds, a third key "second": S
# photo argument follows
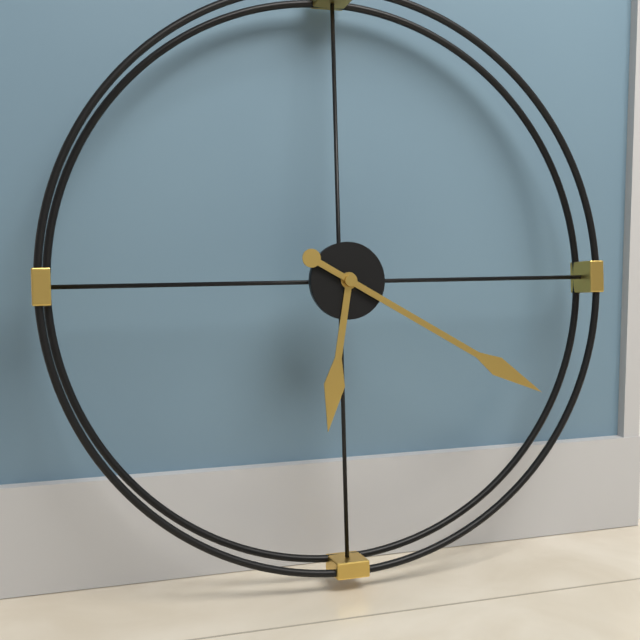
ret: {"hour": 6, "minute": 20}
